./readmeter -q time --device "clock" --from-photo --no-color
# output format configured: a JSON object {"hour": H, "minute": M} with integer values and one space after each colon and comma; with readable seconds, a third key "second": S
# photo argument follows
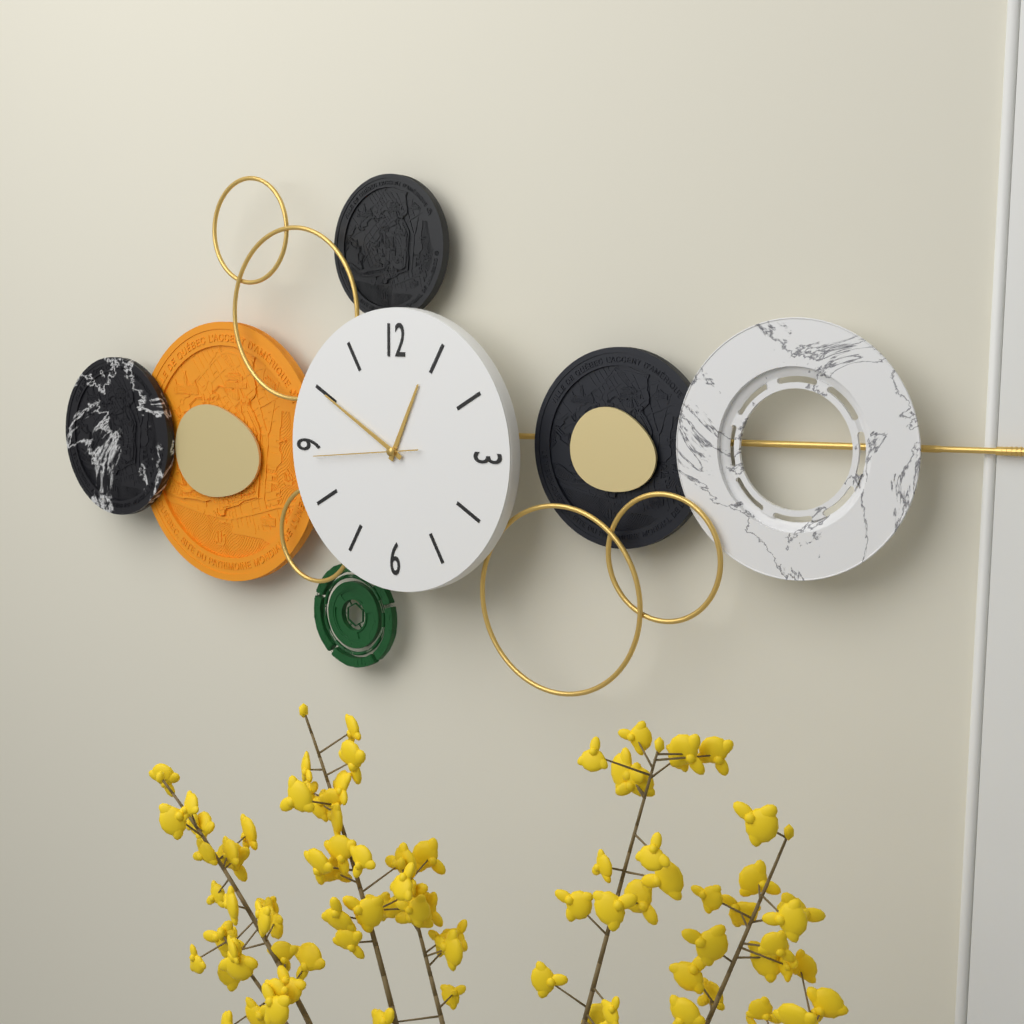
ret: {"hour": 12, "minute": 50, "second": 44}
